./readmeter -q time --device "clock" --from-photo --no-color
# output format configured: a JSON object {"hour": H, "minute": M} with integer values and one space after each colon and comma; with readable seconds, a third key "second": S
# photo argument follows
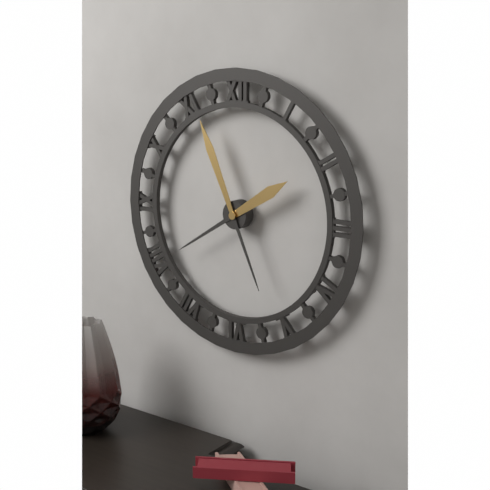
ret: {"hour": 1, "minute": 56}
